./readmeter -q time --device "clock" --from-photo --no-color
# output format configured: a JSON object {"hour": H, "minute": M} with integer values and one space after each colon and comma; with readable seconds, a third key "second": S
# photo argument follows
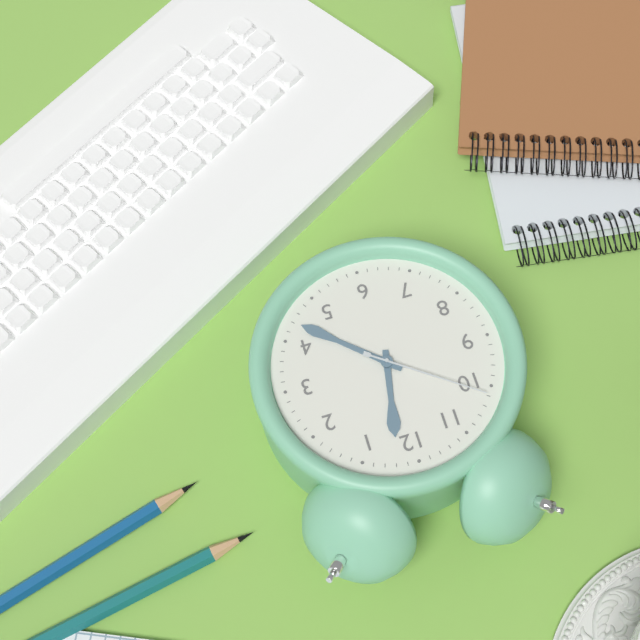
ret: {"hour": 12, "minute": 22, "second": 51}
